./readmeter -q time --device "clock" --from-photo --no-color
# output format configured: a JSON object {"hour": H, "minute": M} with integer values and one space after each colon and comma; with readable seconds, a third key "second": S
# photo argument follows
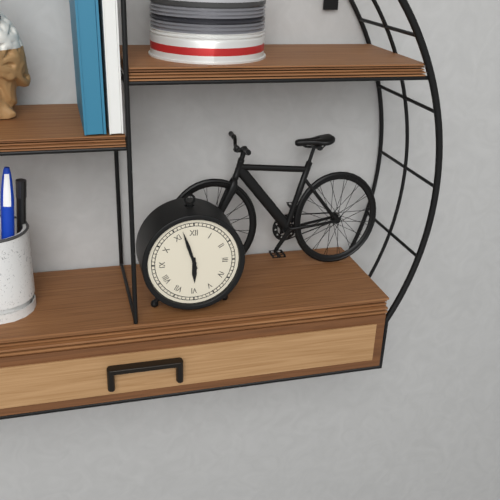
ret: {"hour": 5, "minute": 57}
